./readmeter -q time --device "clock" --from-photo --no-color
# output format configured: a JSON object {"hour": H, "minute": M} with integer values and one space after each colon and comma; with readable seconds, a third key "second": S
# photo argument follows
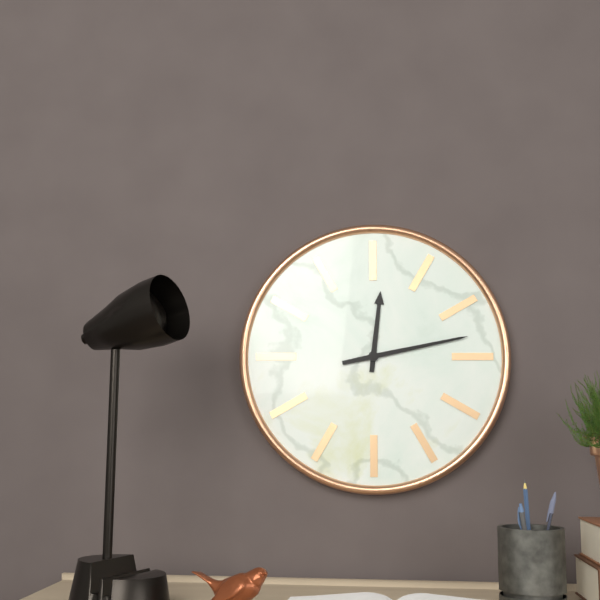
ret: {"hour": 12, "minute": 13}
